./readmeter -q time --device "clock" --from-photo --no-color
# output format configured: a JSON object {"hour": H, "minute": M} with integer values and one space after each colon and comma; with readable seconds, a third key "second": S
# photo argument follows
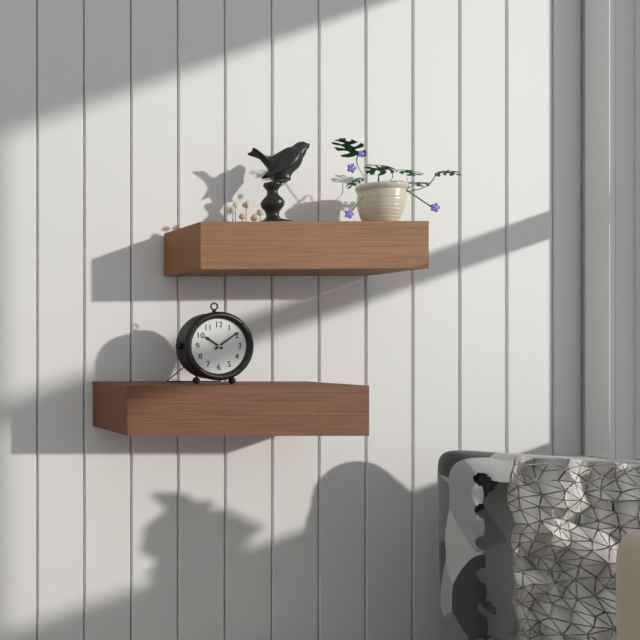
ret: {"hour": 10, "minute": 9}
